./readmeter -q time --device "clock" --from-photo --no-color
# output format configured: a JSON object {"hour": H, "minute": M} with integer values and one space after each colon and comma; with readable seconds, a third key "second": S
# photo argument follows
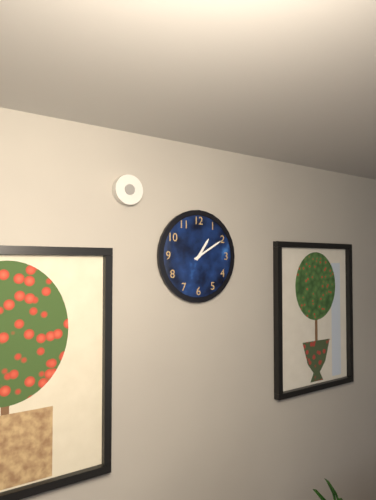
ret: {"hour": 1, "minute": 10}
